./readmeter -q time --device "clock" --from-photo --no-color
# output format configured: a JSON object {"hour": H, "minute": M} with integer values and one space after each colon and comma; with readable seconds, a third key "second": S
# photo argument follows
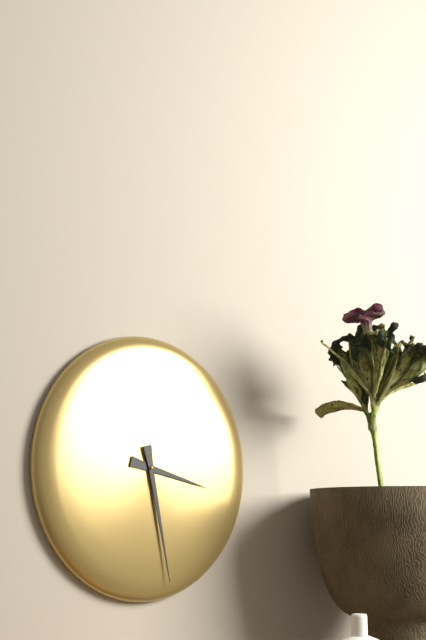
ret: {"hour": 3, "minute": 28}
